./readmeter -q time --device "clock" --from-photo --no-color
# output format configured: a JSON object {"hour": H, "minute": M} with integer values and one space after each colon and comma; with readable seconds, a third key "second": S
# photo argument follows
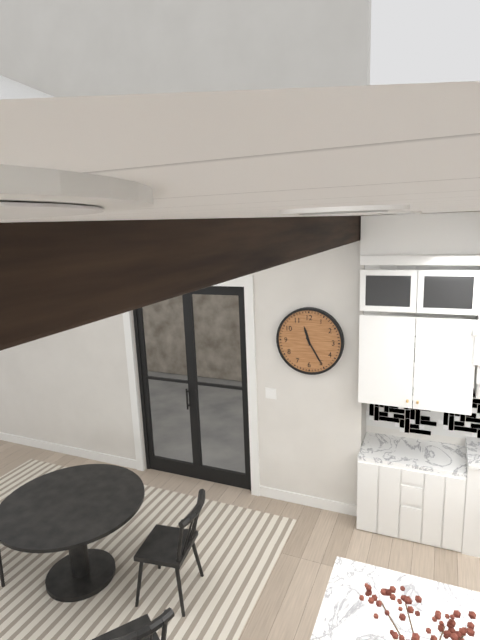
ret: {"hour": 11, "minute": 25}
